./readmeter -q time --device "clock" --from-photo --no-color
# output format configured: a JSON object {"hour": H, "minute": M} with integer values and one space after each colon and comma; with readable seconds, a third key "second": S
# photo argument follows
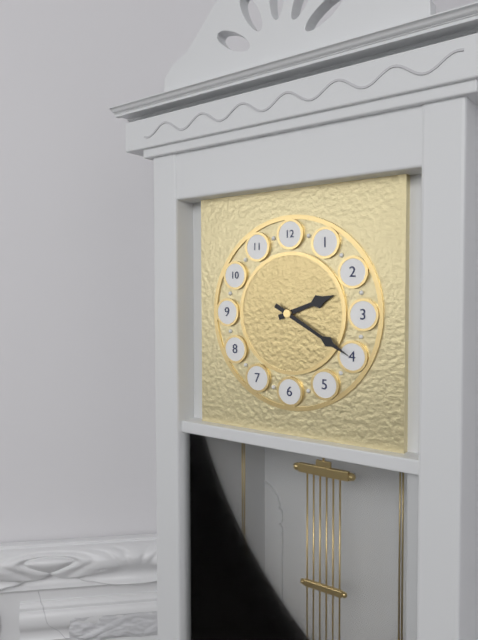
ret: {"hour": 2, "minute": 20}
